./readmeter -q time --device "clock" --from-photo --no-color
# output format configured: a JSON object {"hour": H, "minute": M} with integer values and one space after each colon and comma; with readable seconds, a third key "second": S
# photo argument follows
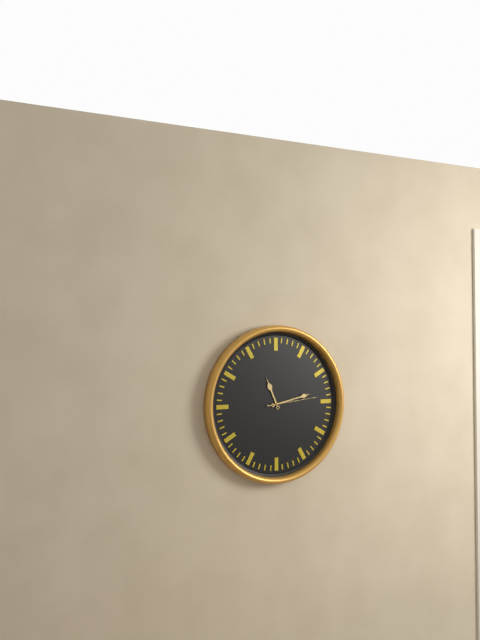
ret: {"hour": 11, "minute": 13, "second": 14}
